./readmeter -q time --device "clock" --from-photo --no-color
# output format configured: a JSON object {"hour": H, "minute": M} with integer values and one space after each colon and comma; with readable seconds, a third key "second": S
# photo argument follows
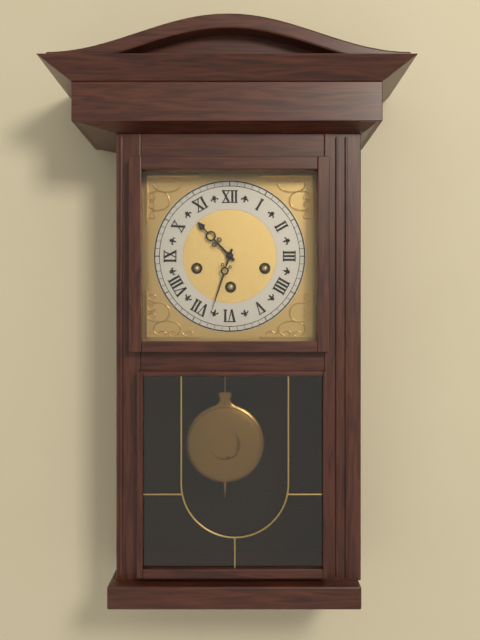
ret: {"hour": 10, "minute": 33}
